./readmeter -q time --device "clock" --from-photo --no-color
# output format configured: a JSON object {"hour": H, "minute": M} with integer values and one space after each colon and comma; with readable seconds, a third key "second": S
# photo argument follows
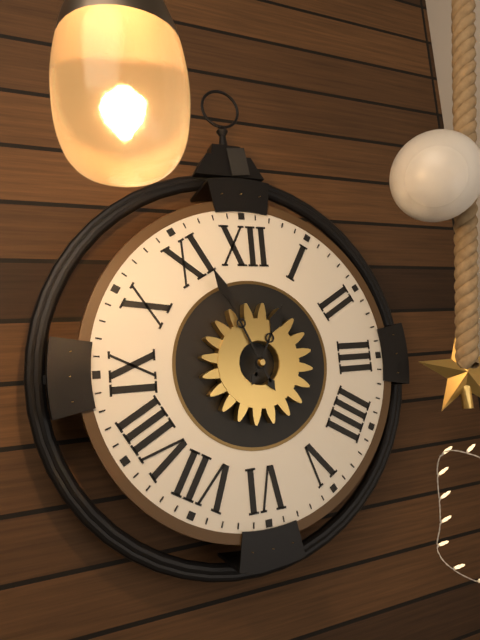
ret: {"hour": 12, "minute": 56}
